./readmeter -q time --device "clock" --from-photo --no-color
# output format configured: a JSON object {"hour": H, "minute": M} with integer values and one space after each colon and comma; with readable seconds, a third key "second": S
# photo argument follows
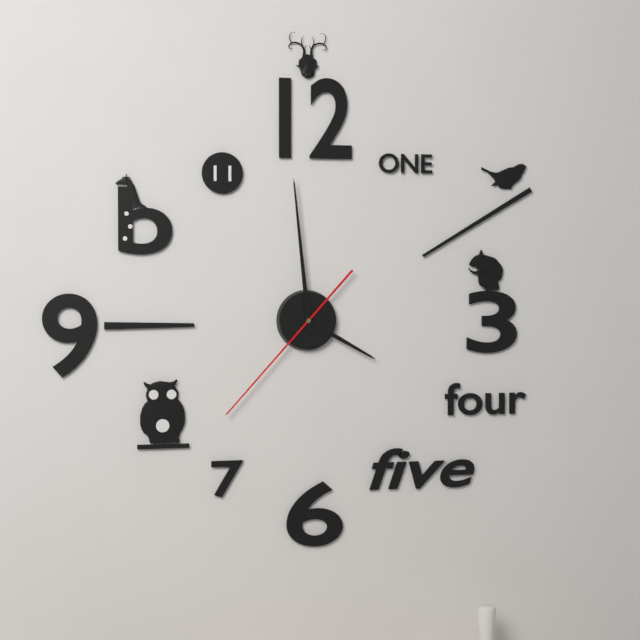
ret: {"hour": 3, "minute": 59, "second": 37}
